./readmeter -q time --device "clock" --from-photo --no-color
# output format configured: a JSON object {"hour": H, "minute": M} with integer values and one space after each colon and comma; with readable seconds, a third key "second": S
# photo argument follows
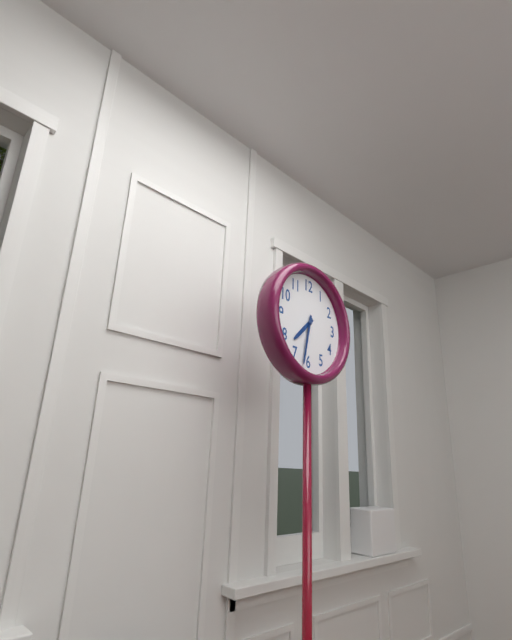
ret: {"hour": 7, "minute": 32}
